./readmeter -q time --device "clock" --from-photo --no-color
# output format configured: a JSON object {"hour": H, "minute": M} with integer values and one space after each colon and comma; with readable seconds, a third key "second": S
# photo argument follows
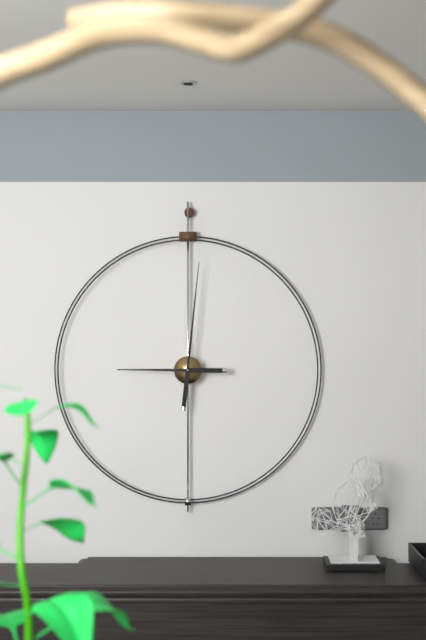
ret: {"hour": 9, "minute": 1}
